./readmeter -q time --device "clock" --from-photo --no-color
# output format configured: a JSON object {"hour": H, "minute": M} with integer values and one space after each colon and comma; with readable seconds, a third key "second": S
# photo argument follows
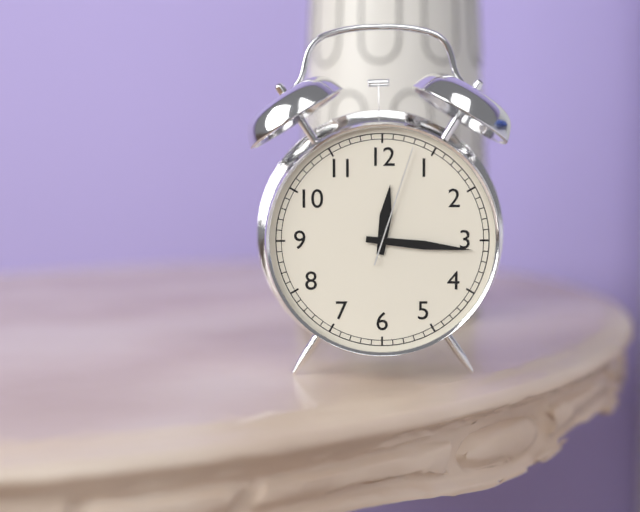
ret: {"hour": 12, "minute": 16, "second": 3}
